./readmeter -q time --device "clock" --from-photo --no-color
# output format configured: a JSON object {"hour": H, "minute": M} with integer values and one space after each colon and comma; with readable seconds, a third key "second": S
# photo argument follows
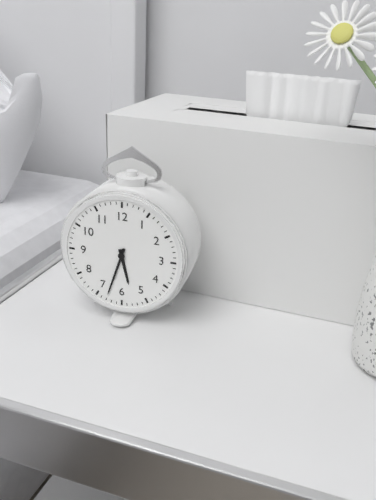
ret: {"hour": 5, "minute": 33}
